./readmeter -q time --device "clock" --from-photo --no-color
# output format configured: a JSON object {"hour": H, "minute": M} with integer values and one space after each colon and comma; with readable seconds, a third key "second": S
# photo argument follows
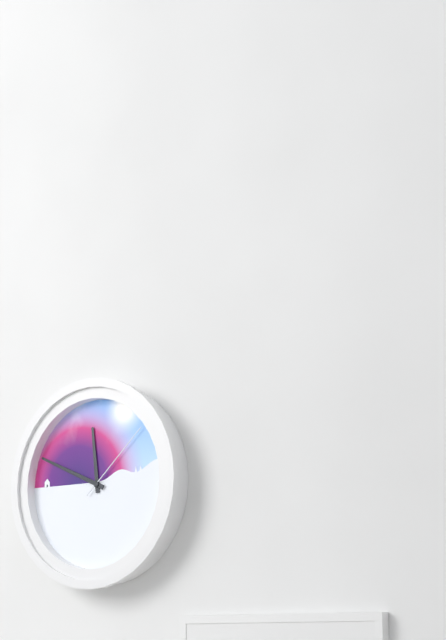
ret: {"hour": 11, "minute": 49, "second": 8}
